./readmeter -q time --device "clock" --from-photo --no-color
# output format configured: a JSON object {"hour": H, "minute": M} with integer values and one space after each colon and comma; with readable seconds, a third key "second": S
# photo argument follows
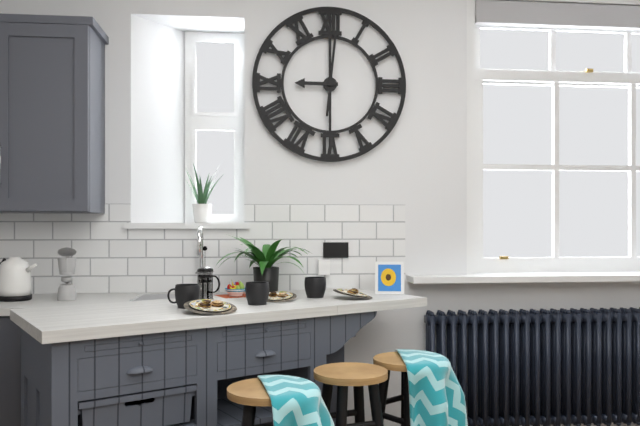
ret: {"hour": 9, "minute": 1}
